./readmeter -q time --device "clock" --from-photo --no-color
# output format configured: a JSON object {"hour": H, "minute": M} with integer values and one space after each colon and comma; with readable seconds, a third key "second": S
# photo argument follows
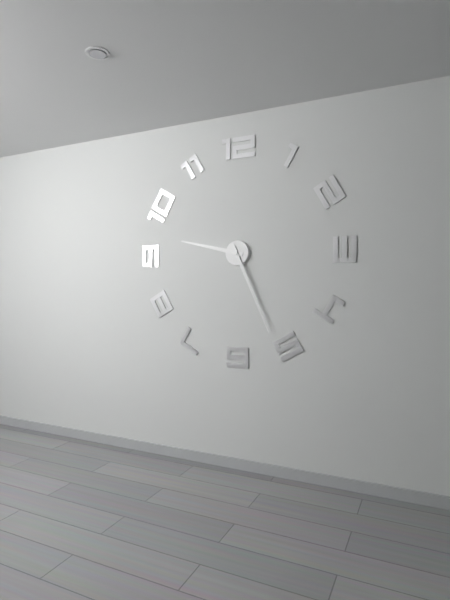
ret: {"hour": 9, "minute": 26}
